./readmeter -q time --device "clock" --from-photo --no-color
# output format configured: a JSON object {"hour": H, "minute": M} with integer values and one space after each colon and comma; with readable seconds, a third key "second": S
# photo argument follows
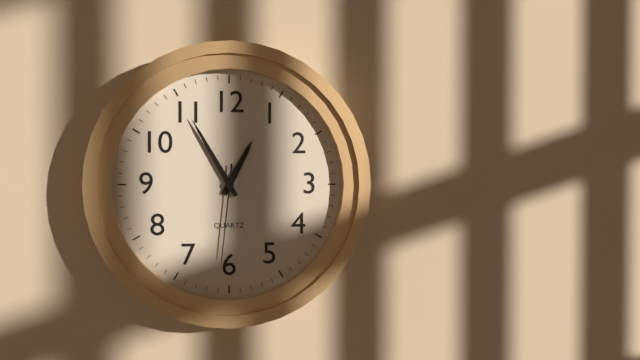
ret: {"hour": 12, "minute": 55, "second": 31}
